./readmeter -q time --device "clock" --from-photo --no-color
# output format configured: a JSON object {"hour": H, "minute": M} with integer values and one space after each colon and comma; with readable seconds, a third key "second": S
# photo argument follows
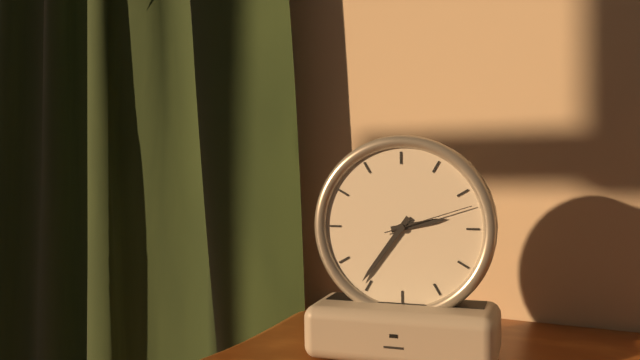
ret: {"hour": 2, "minute": 36, "second": 12}
